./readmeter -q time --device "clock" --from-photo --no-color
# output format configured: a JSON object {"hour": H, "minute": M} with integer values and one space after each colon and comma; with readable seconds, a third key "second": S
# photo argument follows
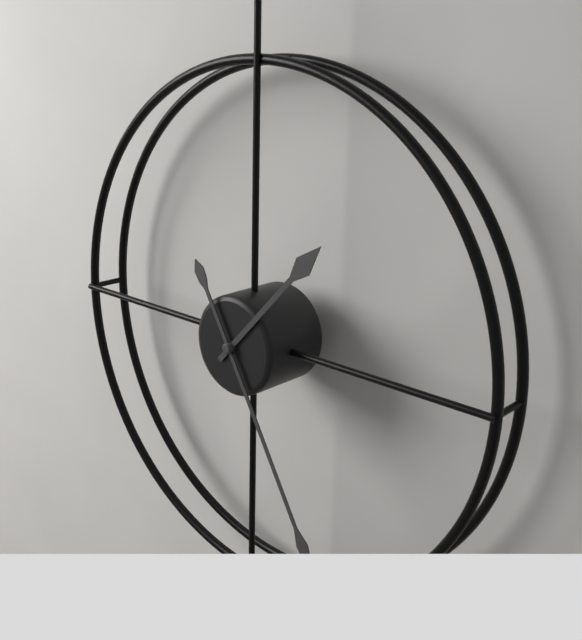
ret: {"hour": 1, "minute": 25}
